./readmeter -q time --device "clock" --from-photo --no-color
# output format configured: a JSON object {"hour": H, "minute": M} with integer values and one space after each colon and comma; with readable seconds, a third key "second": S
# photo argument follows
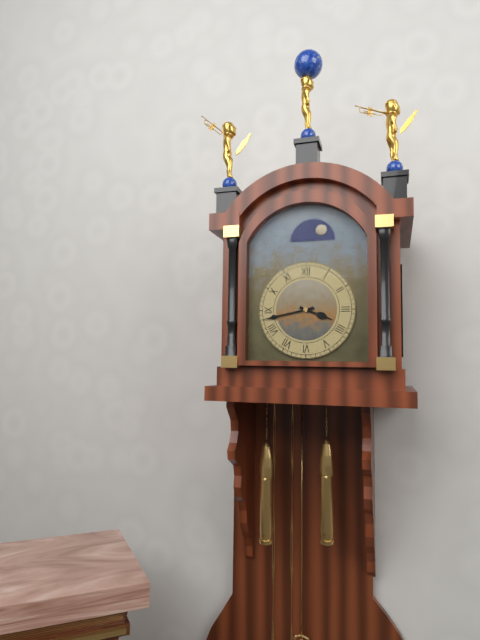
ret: {"hour": 3, "minute": 43}
